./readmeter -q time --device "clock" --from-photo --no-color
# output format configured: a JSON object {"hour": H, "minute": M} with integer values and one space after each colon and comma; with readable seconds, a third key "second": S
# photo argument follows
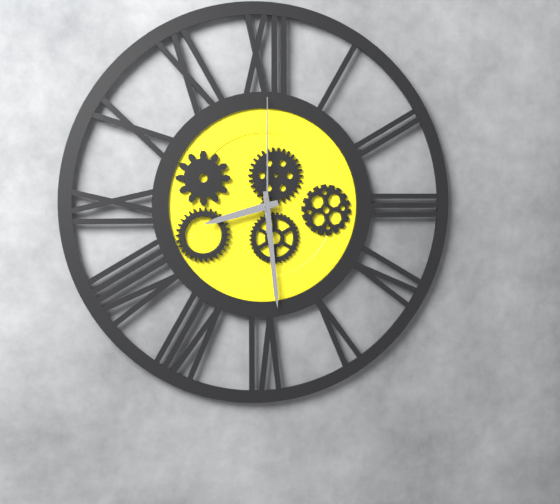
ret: {"hour": 8, "minute": 29, "second": 0}
